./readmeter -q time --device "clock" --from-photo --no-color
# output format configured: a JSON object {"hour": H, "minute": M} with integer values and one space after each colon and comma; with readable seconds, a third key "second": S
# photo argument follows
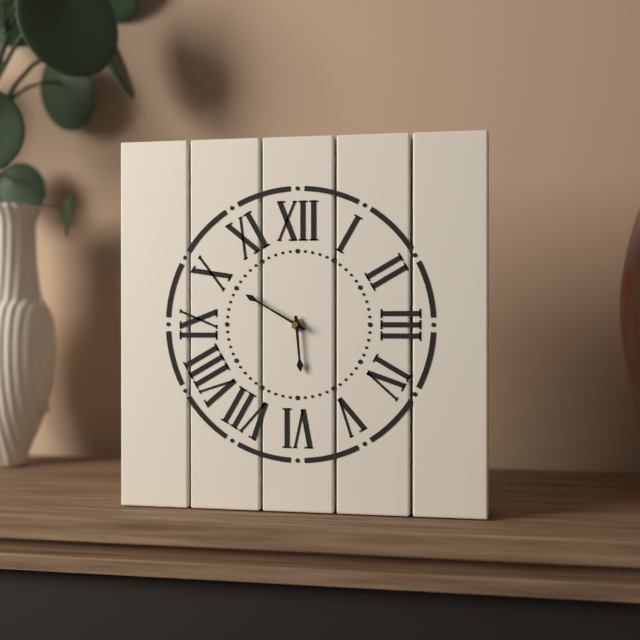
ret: {"hour": 5, "minute": 50}
